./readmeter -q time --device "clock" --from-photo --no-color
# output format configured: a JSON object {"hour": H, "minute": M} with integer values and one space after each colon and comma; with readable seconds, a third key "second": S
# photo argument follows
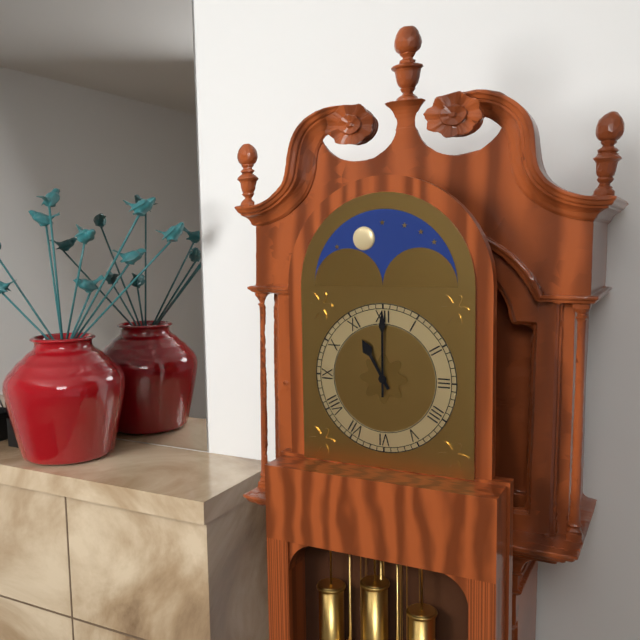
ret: {"hour": 11, "minute": 0}
